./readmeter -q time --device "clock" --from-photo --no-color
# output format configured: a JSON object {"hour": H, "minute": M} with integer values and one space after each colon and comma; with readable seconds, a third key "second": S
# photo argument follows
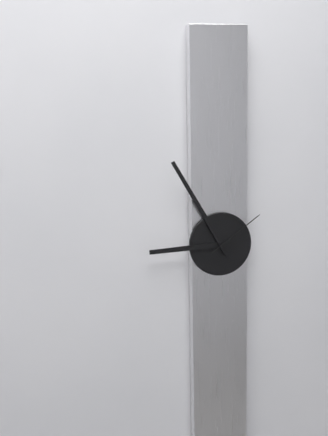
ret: {"hour": 8, "minute": 55, "second": 9}
